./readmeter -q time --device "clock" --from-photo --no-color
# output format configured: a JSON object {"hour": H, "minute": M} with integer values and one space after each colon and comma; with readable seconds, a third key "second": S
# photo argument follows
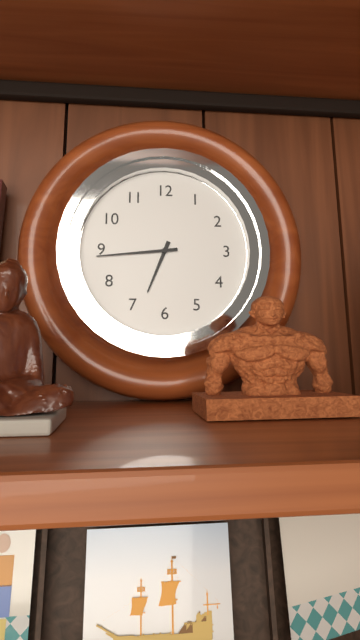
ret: {"hour": 6, "minute": 44}
